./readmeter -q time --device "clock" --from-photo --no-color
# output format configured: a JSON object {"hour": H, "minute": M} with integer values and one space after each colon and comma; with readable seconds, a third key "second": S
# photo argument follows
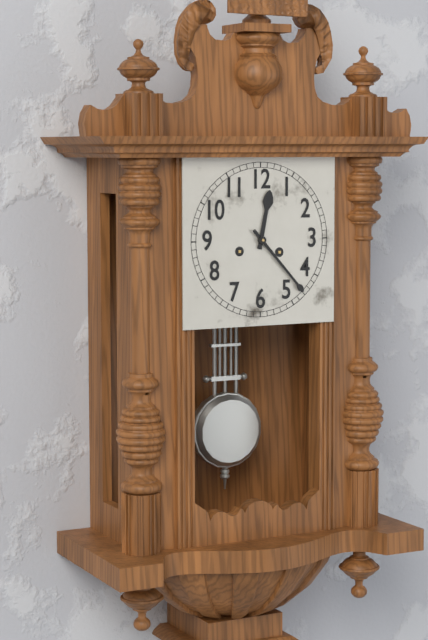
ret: {"hour": 12, "minute": 23}
